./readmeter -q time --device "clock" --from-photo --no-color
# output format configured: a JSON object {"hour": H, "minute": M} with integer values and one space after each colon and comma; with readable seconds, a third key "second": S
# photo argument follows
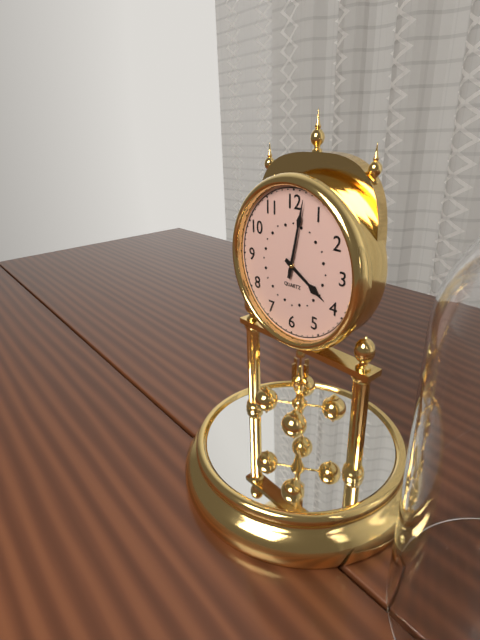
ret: {"hour": 4, "minute": 2}
